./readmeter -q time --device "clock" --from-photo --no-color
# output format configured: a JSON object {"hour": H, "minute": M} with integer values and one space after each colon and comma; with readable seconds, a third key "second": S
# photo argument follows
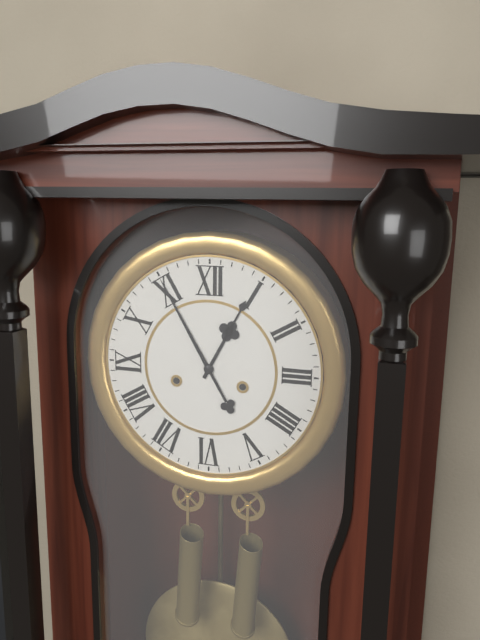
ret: {"hour": 12, "minute": 55}
